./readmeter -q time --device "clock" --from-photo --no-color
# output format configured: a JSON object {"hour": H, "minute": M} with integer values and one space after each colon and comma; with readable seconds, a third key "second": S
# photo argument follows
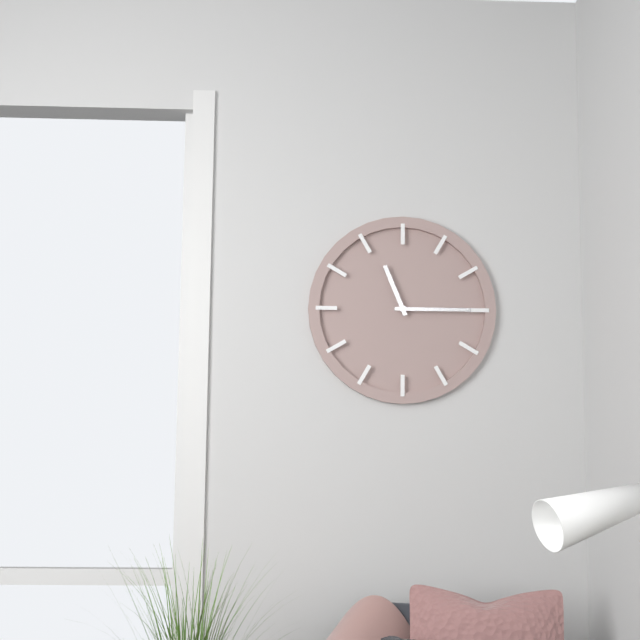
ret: {"hour": 11, "minute": 15}
